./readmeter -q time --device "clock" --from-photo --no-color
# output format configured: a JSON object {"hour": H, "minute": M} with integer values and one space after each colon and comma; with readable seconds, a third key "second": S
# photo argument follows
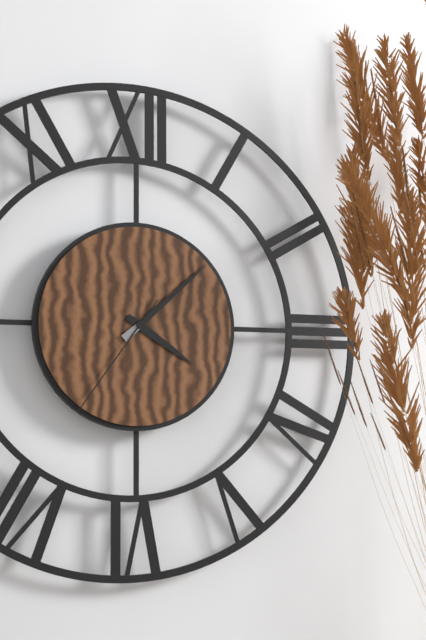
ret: {"hour": 4, "minute": 8, "second": 36}
